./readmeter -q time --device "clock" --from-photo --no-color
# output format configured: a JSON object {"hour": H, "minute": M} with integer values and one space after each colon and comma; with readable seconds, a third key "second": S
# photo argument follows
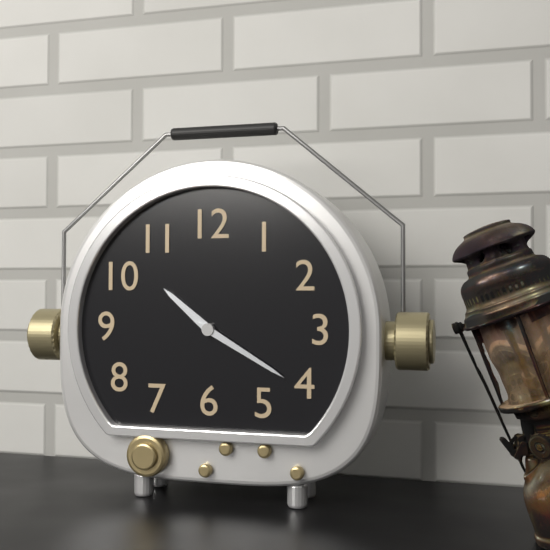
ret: {"hour": 10, "minute": 20}
